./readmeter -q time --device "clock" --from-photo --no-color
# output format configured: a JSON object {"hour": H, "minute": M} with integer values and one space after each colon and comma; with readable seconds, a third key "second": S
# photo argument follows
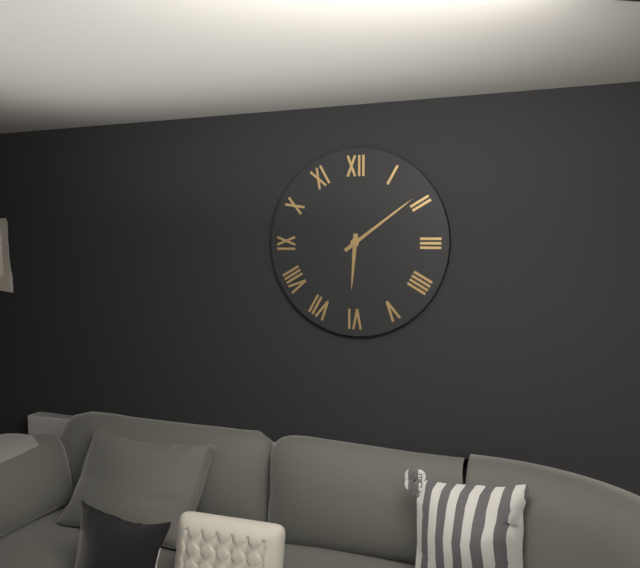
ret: {"hour": 6, "minute": 9}
